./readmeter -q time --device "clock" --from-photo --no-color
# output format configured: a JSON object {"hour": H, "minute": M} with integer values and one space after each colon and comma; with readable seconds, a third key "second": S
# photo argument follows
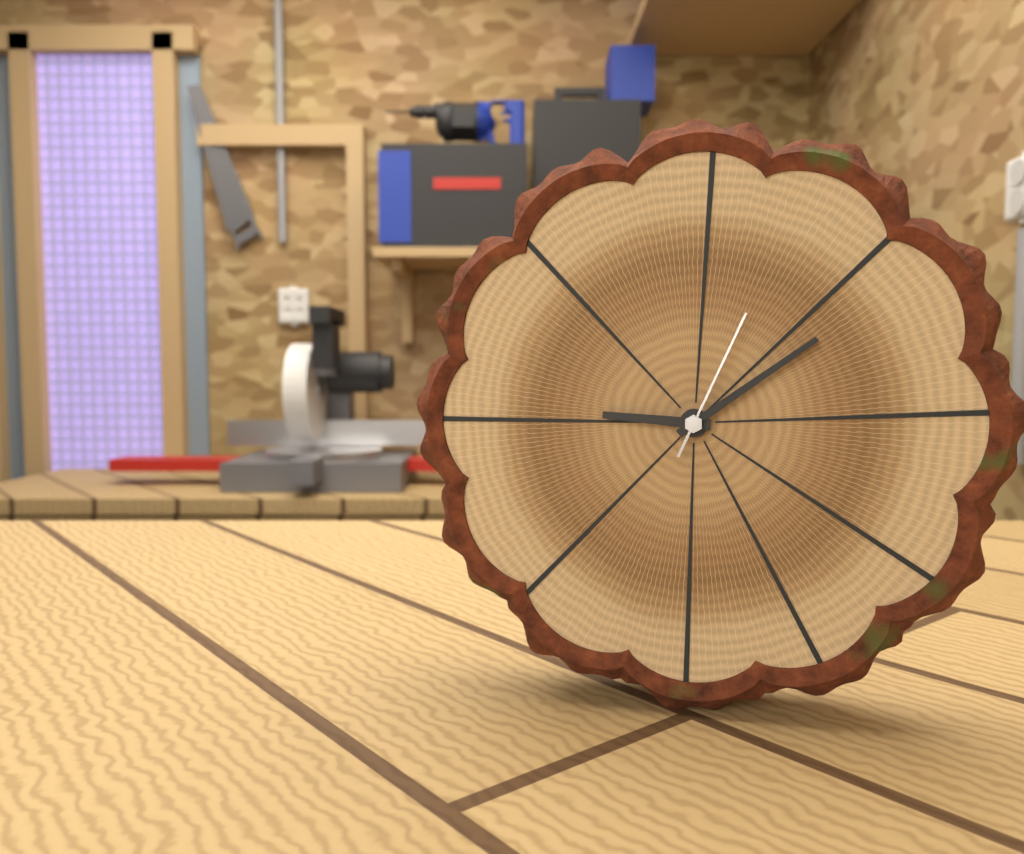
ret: {"hour": 9, "minute": 9, "second": 4}
